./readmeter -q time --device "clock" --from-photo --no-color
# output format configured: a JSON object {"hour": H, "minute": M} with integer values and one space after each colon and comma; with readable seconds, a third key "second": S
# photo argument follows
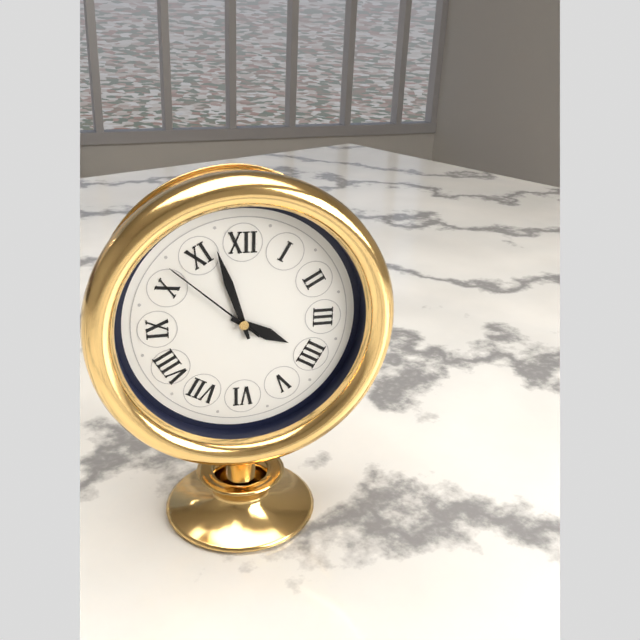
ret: {"hour": 3, "minute": 57, "second": 52}
